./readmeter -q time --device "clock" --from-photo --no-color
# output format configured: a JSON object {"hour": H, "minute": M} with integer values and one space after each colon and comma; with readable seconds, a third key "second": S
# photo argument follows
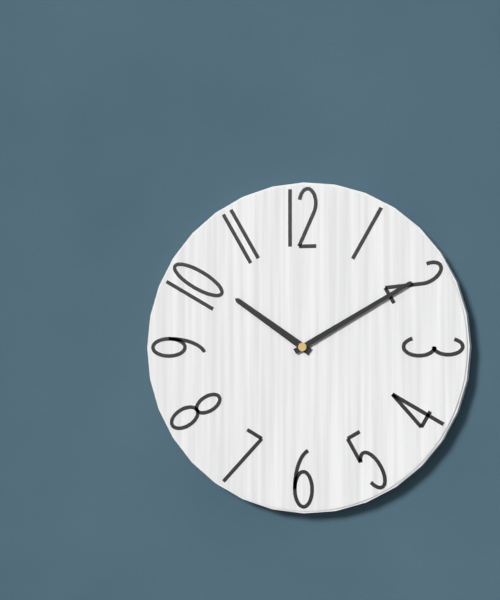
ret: {"hour": 10, "minute": 10}
